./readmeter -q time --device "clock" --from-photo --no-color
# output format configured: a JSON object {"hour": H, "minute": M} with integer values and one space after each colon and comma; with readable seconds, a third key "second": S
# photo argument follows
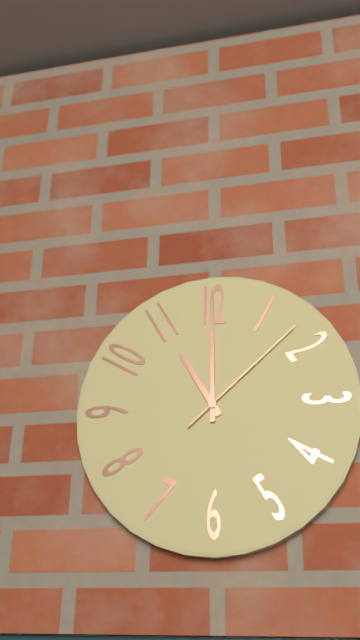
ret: {"hour": 11, "minute": 0, "second": 8}
